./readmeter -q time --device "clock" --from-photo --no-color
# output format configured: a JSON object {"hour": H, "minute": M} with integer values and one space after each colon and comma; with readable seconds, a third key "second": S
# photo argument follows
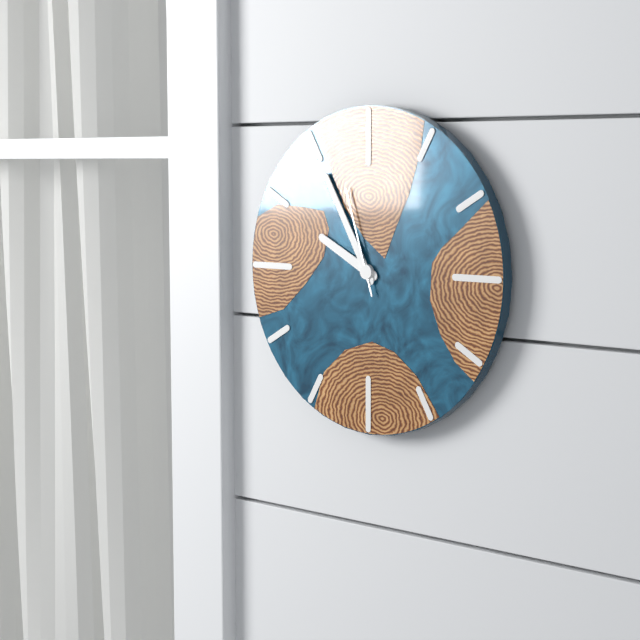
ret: {"hour": 9, "minute": 55, "second": 57}
